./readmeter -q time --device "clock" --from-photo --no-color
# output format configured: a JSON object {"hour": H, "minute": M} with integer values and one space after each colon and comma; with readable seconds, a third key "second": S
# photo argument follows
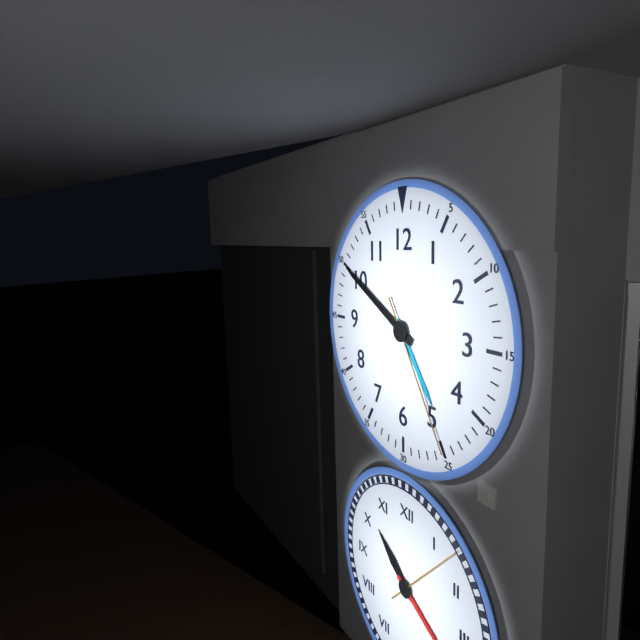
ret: {"hour": 4, "minute": 50, "second": 25}
